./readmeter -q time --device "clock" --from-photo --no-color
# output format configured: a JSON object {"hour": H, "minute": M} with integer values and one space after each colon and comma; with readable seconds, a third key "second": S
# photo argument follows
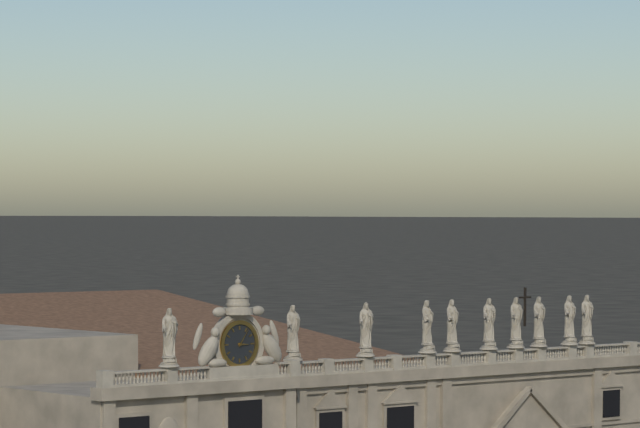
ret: {"hour": 3, "minute": 6}
